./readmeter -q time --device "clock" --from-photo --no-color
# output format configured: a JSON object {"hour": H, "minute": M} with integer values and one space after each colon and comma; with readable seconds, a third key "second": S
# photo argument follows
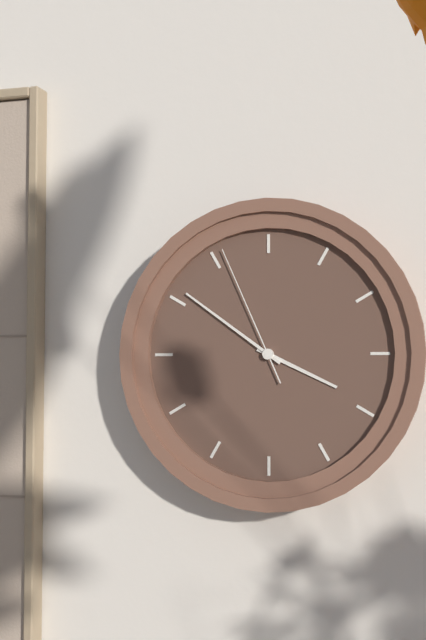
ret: {"hour": 3, "minute": 51, "second": 56}
